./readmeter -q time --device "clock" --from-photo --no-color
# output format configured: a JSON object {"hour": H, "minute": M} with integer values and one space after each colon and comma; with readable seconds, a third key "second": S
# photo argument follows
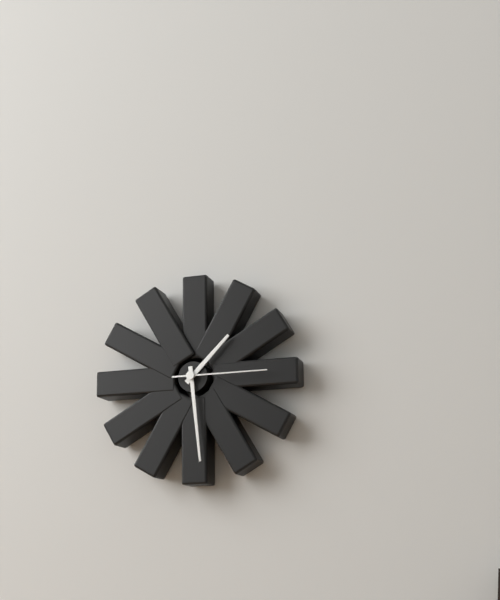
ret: {"hour": 1, "minute": 29, "second": 15}
